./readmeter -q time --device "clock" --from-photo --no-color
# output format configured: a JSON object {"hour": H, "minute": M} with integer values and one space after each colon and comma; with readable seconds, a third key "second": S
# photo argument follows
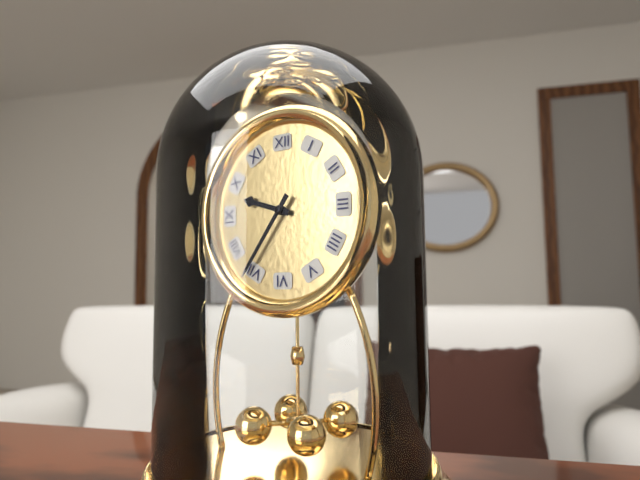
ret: {"hour": 9, "minute": 36}
